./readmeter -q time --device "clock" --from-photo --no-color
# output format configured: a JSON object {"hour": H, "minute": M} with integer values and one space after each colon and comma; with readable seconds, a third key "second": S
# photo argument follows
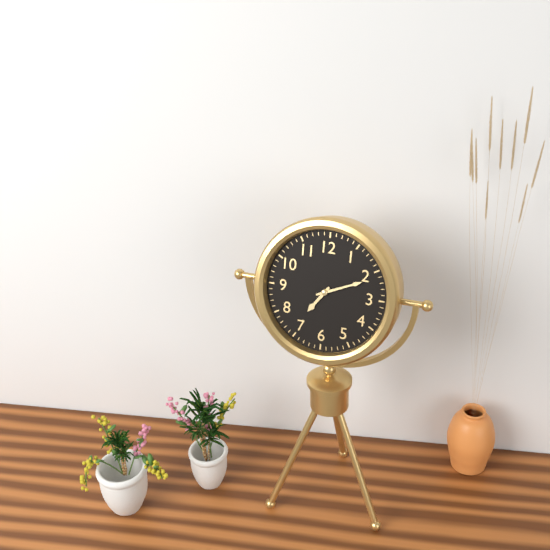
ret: {"hour": 7, "minute": 11}
